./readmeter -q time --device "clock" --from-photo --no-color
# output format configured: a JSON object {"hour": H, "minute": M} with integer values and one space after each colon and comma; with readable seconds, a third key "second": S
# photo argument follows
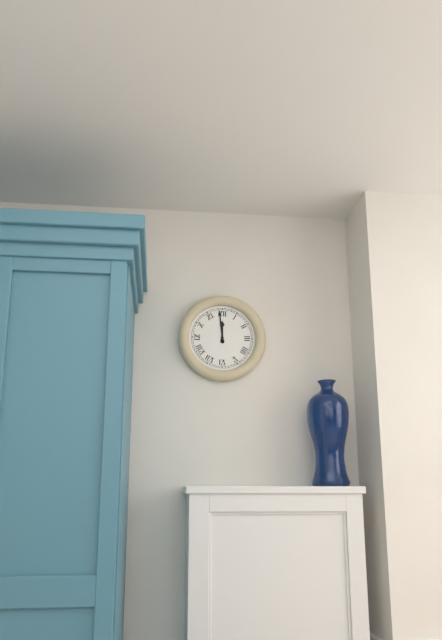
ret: {"hour": 11, "minute": 59}
